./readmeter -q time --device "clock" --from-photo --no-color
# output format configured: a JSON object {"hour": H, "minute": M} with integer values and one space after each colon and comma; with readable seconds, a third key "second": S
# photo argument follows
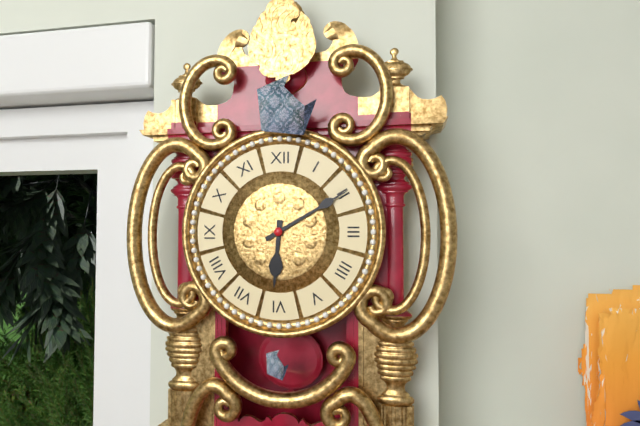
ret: {"hour": 6, "minute": 10}
